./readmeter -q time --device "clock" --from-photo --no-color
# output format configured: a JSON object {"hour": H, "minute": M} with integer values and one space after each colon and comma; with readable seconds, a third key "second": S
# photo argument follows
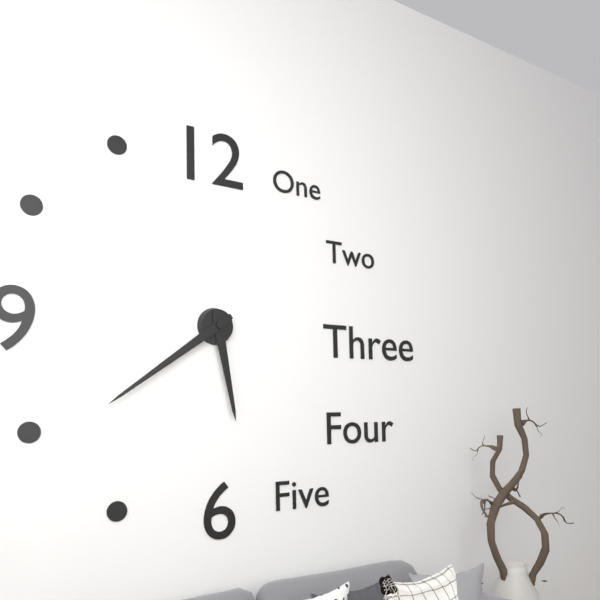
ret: {"hour": 5, "minute": 39}
